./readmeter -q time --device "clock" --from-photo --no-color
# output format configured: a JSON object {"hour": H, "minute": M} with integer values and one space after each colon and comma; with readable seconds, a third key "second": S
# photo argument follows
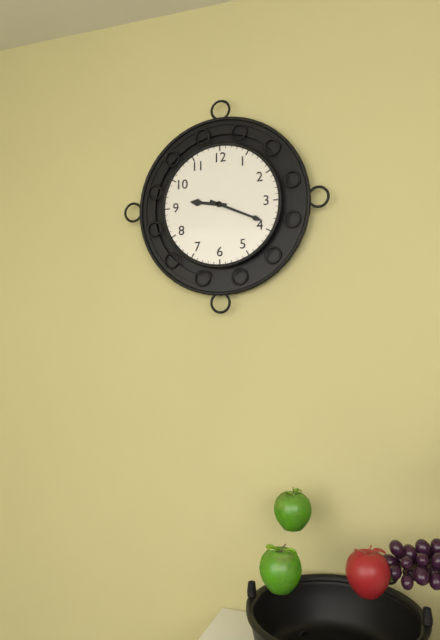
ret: {"hour": 9, "minute": 19}
